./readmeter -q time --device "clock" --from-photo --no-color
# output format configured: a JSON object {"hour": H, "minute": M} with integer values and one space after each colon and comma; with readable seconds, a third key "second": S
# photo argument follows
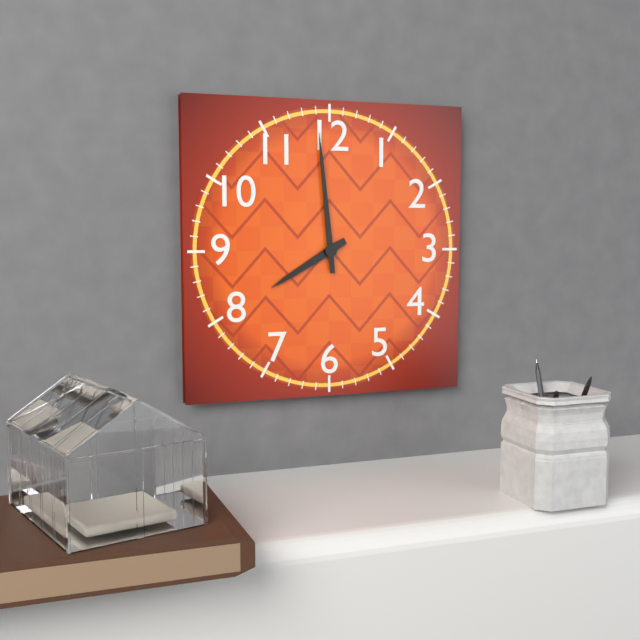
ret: {"hour": 7, "minute": 59}
